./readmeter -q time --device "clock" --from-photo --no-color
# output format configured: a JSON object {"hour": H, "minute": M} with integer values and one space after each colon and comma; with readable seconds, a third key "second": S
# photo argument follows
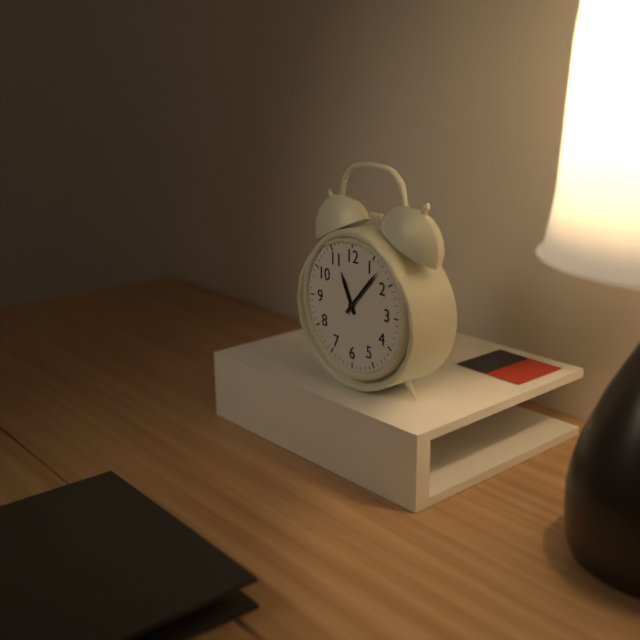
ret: {"hour": 11, "minute": 7}
